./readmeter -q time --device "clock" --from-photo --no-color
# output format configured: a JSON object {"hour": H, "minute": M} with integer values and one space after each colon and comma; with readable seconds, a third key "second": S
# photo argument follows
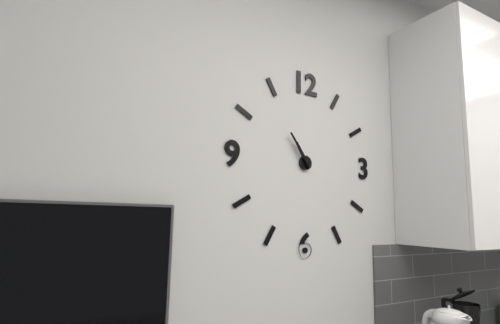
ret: {"hour": 10, "minute": 54}
